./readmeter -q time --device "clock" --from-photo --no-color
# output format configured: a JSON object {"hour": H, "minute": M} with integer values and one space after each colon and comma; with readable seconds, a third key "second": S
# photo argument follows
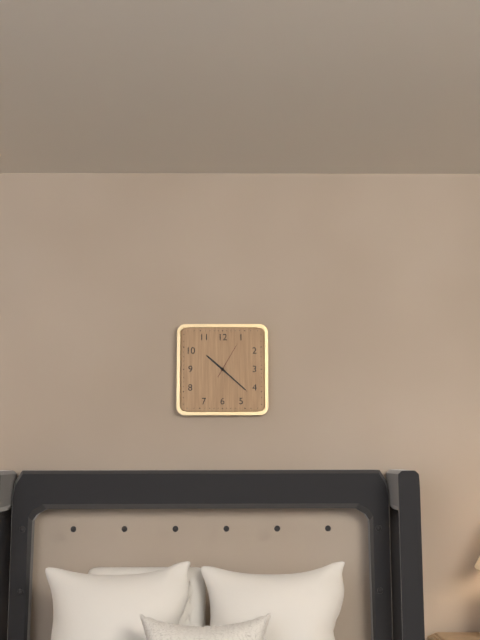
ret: {"hour": 10, "minute": 22}
